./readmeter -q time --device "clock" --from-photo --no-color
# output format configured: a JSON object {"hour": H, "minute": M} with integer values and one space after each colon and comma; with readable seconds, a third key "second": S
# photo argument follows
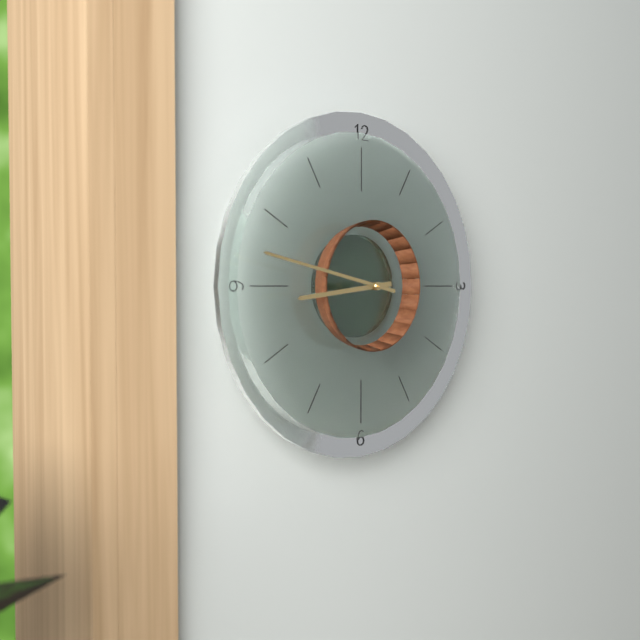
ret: {"hour": 8, "minute": 47}
